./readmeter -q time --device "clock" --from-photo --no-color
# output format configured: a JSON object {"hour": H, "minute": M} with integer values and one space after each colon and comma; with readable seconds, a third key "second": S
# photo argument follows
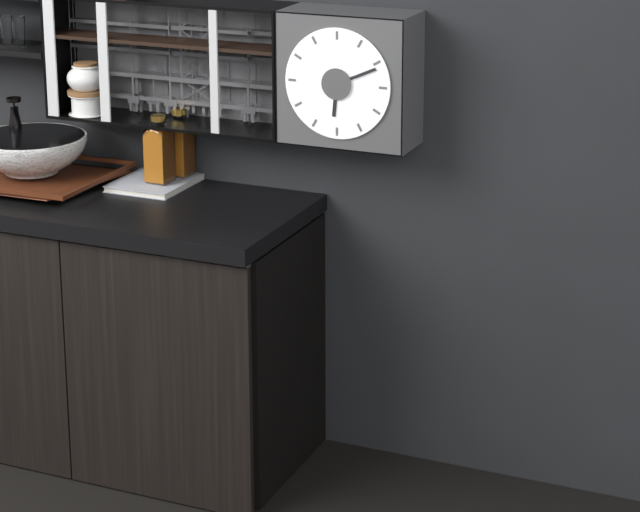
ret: {"hour": 6, "minute": 11}
